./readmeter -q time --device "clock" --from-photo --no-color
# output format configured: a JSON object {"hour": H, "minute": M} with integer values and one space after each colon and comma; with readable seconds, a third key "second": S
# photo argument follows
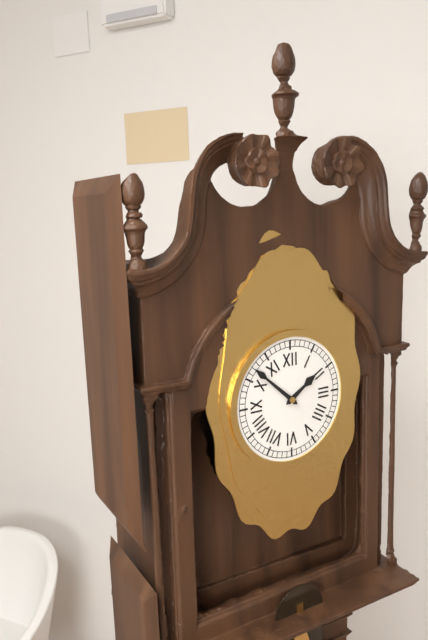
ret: {"hour": 1, "minute": 52}
